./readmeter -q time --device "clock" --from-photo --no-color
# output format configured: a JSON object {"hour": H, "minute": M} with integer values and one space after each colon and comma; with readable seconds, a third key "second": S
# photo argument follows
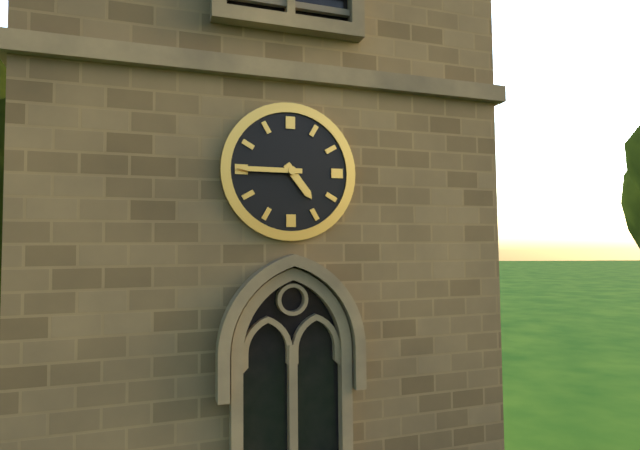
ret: {"hour": 4, "minute": 45}
